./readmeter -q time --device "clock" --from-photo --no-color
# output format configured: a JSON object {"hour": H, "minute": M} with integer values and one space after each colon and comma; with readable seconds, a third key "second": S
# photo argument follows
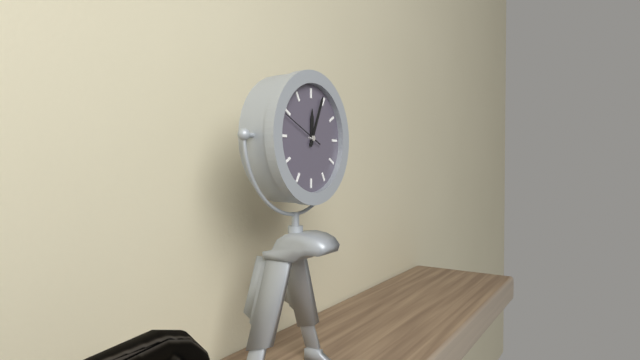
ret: {"hour": 12, "minute": 4}
